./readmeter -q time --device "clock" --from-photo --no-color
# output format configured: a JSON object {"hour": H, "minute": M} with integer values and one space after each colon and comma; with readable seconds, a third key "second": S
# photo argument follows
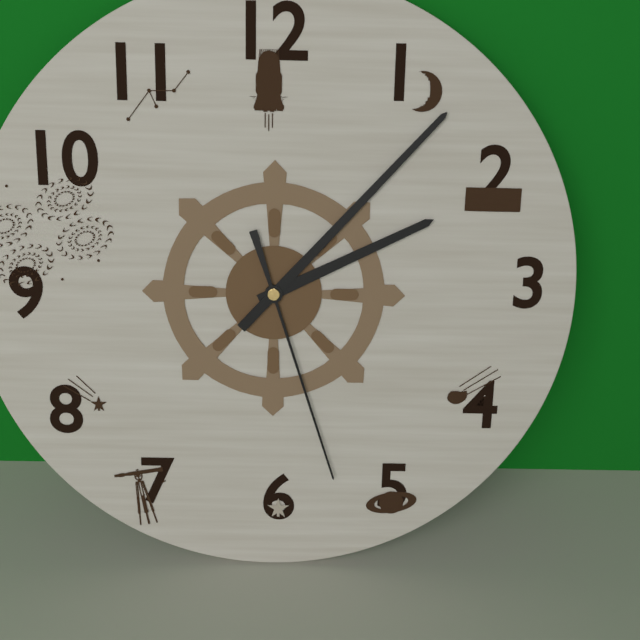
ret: {"hour": 2, "minute": 7, "second": 27}
